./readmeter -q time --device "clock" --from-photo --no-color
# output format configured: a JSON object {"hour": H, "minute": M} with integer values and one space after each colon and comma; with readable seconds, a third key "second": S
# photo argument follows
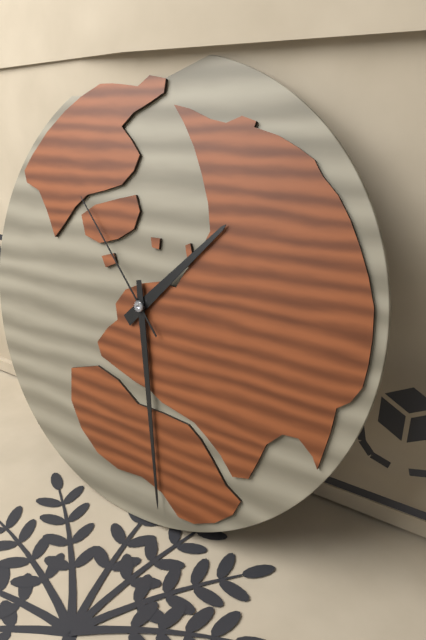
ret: {"hour": 1, "minute": 28, "second": 53}
